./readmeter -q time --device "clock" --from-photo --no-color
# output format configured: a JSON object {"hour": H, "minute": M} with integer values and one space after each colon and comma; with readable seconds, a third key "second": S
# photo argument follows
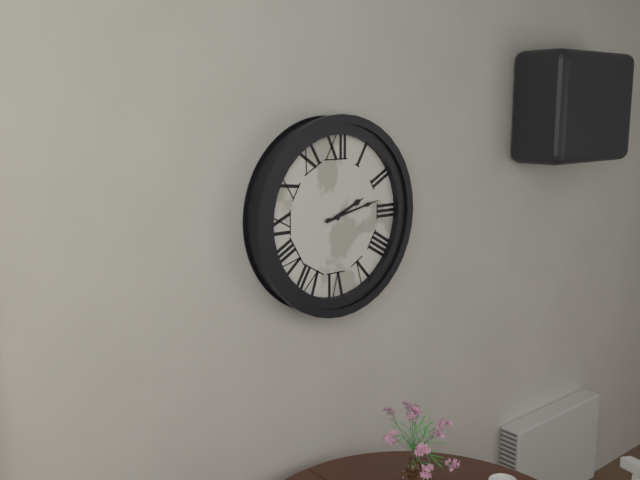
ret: {"hour": 2, "minute": 13}
